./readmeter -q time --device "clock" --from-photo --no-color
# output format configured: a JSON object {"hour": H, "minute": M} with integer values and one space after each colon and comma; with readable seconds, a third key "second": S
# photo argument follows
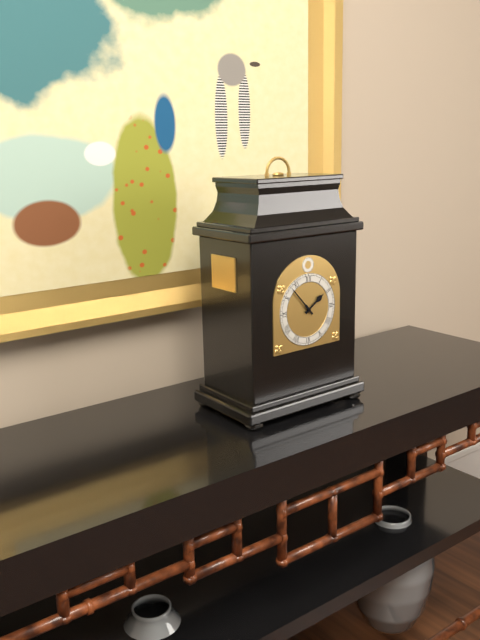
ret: {"hour": 1, "minute": 53}
